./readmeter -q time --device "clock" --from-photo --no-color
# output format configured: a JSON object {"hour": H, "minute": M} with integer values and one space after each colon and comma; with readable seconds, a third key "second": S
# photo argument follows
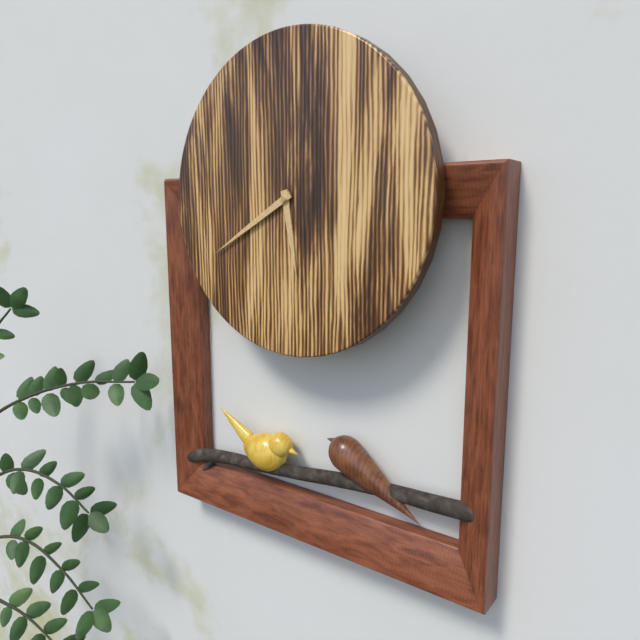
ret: {"hour": 5, "minute": 40}
